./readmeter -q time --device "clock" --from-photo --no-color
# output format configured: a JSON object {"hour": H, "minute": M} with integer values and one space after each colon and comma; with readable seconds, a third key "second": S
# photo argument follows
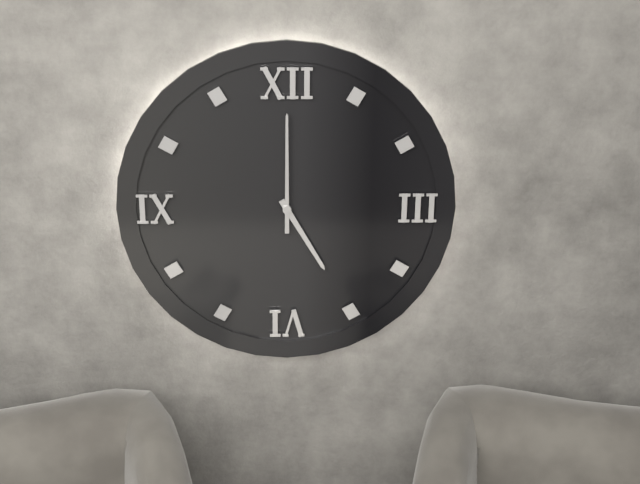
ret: {"hour": 5, "minute": 0}
